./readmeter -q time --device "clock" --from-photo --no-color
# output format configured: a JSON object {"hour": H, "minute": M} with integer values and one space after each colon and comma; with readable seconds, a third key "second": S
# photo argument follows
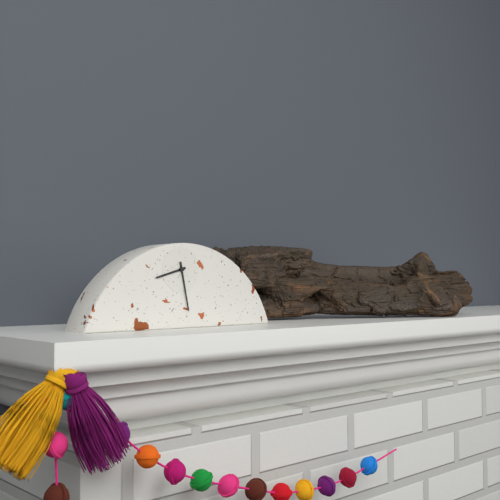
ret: {"hour": 8, "minute": 28}
